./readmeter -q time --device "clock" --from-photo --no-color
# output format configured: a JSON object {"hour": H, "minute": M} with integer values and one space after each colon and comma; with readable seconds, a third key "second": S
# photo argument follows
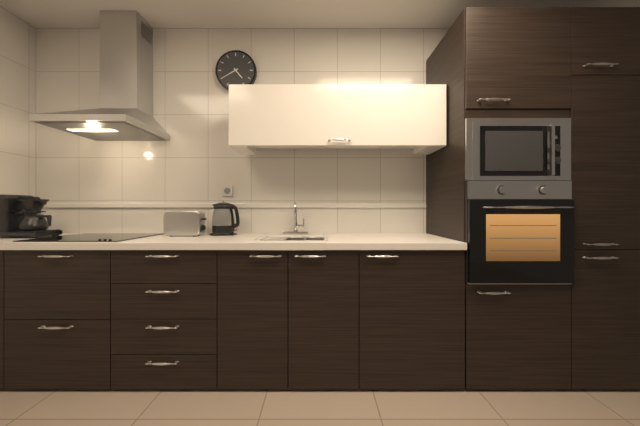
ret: {"hour": 4, "minute": 40}
